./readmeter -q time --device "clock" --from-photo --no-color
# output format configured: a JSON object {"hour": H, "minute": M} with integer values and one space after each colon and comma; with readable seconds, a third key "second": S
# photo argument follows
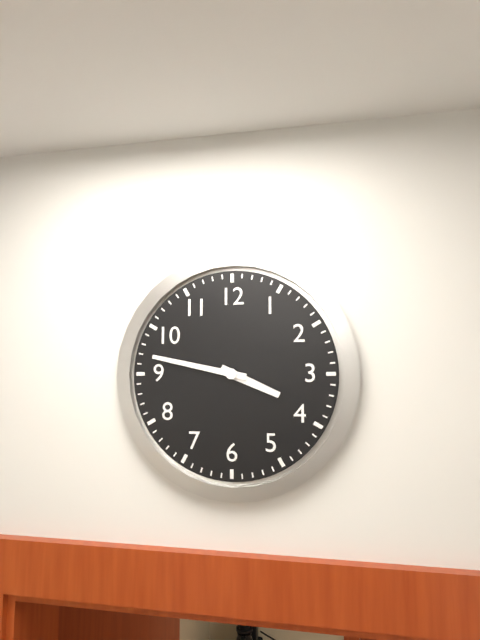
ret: {"hour": 3, "minute": 47}
